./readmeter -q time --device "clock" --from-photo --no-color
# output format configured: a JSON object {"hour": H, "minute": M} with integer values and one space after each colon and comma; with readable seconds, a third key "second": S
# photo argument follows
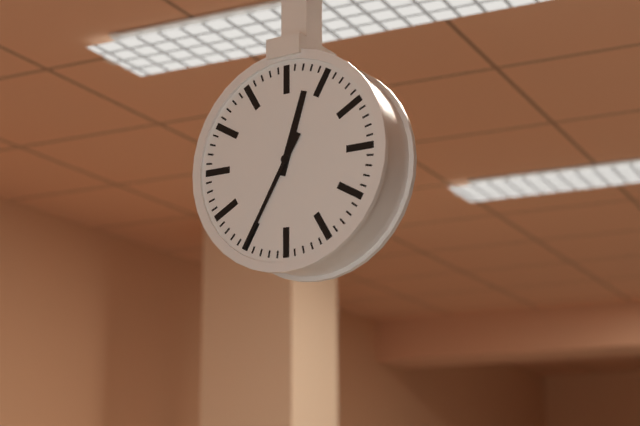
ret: {"hour": 12, "minute": 35}
